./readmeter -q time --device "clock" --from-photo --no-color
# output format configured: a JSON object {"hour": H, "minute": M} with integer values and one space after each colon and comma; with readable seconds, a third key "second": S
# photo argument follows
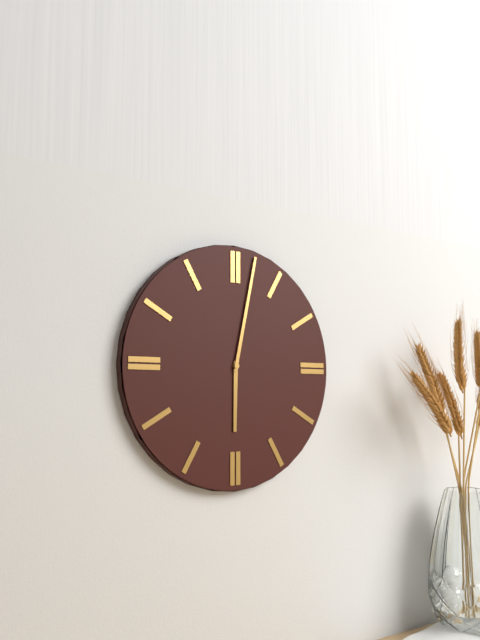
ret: {"hour": 6, "minute": 2}
